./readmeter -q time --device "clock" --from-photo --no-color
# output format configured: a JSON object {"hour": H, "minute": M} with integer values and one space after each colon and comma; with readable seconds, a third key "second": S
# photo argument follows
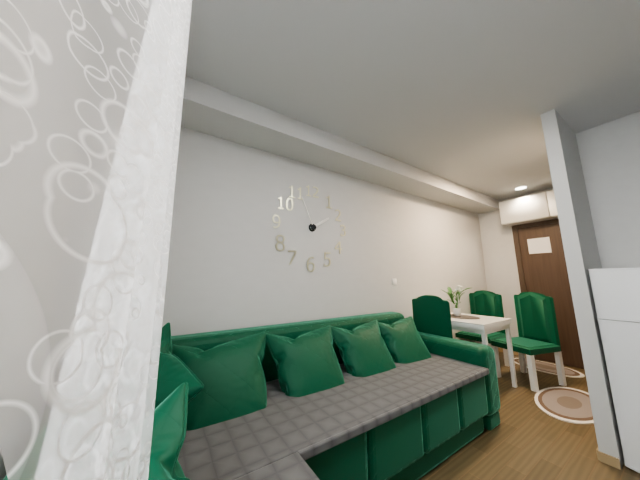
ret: {"hour": 1, "minute": 56}
